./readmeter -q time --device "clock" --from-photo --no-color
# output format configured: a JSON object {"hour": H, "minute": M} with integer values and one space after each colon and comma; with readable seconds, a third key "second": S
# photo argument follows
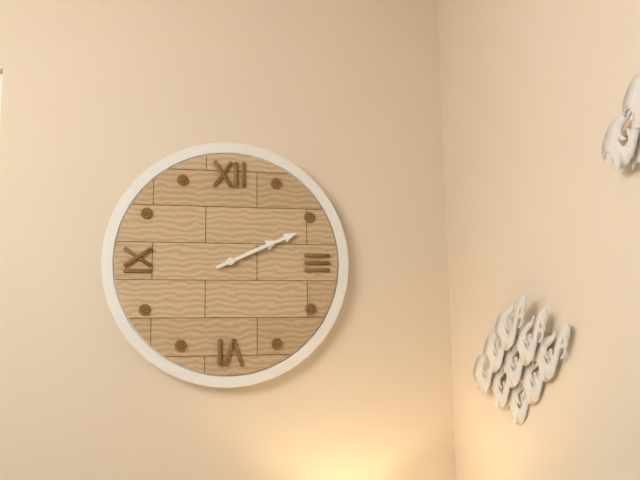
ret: {"hour": 2, "minute": 11}
